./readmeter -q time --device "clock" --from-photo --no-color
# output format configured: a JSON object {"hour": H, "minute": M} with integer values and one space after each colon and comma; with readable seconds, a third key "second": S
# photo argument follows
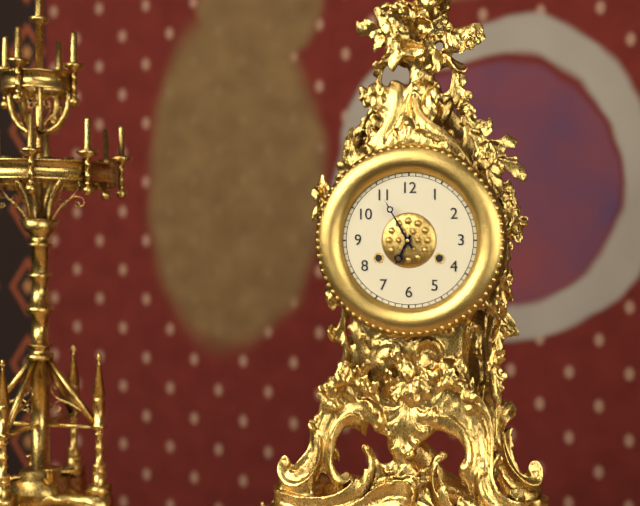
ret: {"hour": 6, "minute": 55}
